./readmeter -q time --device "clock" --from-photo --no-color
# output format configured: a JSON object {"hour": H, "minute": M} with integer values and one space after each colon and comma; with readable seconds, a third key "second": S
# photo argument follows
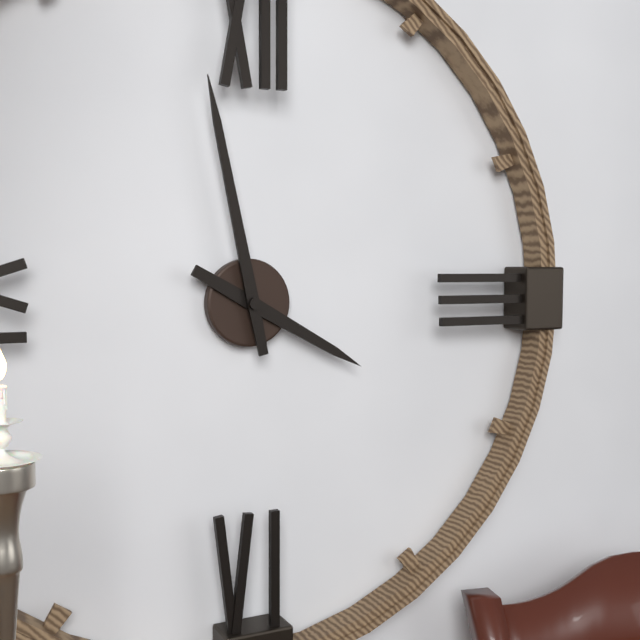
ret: {"hour": 3, "minute": 58}
